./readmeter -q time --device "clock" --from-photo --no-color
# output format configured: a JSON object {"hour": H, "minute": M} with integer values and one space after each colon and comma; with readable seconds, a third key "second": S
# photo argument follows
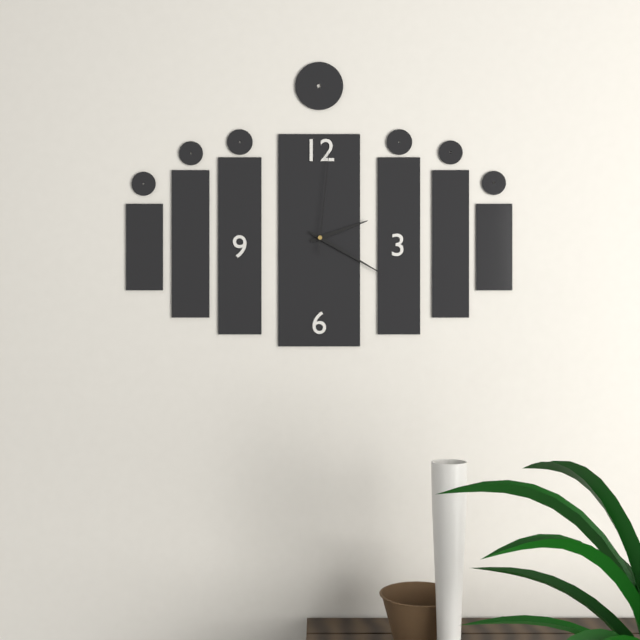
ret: {"hour": 2, "minute": 20, "second": 1}
